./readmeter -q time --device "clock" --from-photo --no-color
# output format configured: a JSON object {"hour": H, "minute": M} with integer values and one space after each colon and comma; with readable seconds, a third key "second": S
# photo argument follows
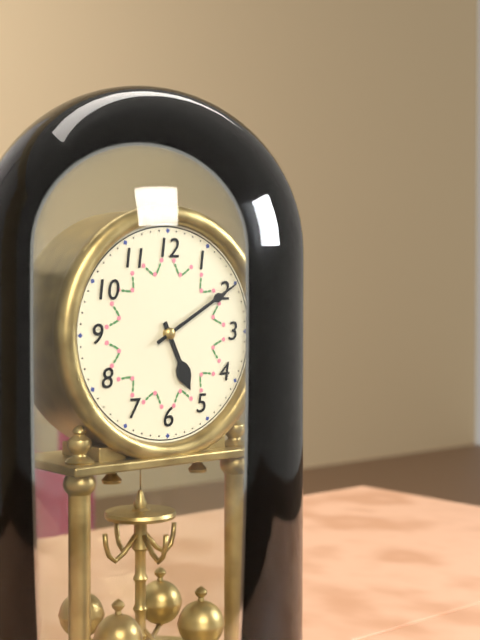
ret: {"hour": 5, "minute": 10}
